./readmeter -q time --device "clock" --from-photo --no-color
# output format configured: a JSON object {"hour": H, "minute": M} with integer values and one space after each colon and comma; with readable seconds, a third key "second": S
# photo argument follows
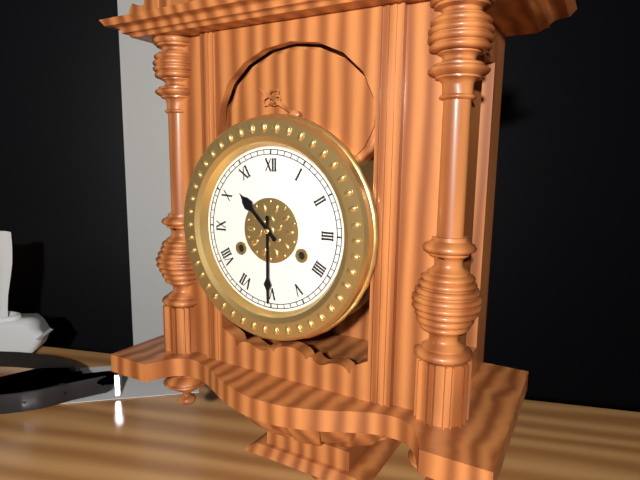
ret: {"hour": 10, "minute": 30}
